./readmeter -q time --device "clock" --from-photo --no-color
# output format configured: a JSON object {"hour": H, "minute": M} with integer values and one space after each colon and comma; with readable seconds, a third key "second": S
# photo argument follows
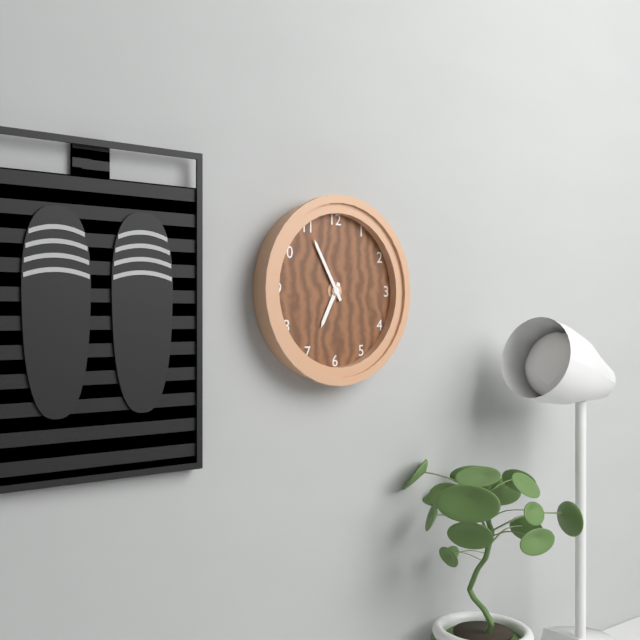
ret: {"hour": 6, "minute": 55}
